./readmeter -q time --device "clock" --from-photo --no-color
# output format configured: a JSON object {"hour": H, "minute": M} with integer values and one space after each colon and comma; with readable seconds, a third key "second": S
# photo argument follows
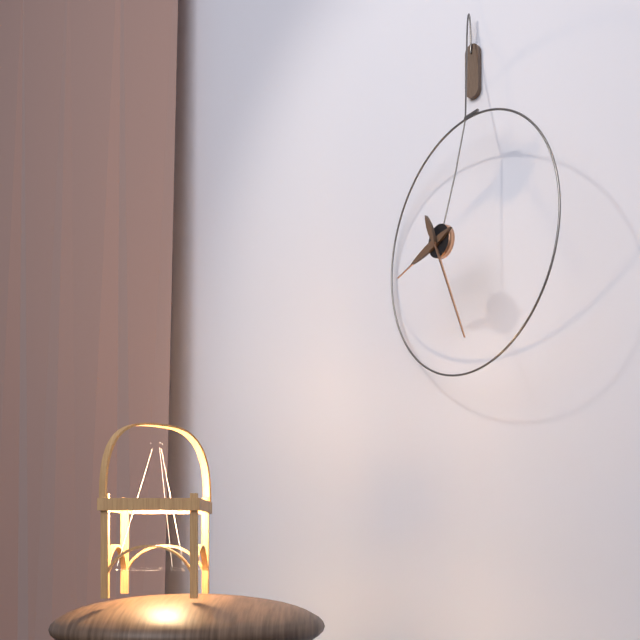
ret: {"hour": 8, "minute": 26}
